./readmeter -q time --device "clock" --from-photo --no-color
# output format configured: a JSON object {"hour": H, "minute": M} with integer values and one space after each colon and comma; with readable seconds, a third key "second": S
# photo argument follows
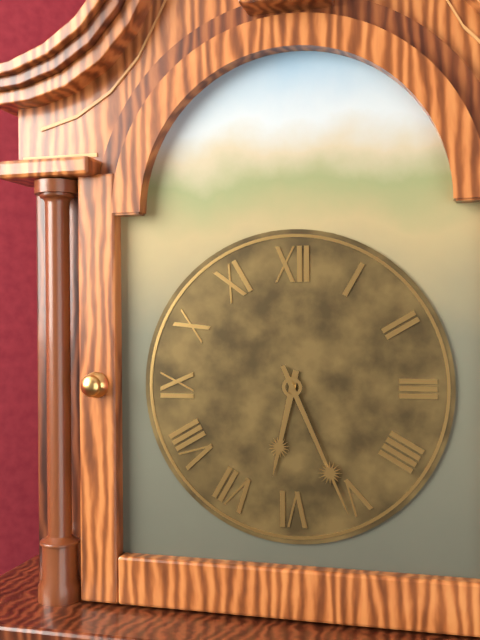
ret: {"hour": 6, "minute": 26}
